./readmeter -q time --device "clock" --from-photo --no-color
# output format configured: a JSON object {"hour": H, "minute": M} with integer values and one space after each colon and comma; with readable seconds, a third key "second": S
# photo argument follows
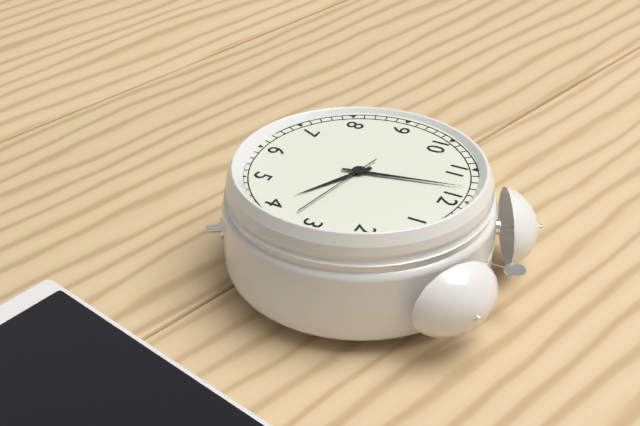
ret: {"hour": 3, "minute": 58, "second": 17}
